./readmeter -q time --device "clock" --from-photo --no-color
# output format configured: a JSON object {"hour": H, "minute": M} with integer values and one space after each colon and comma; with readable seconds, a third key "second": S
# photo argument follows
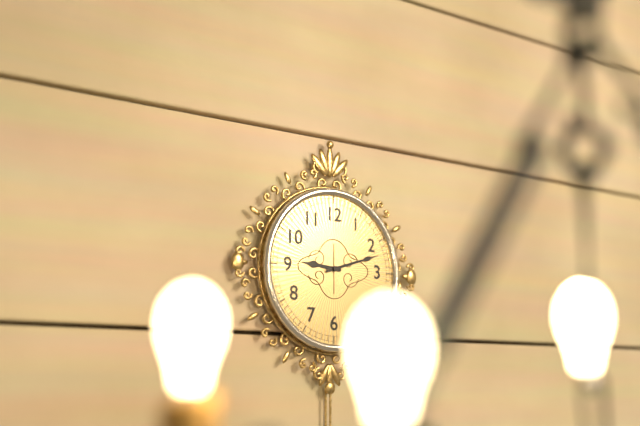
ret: {"hour": 9, "minute": 12}
